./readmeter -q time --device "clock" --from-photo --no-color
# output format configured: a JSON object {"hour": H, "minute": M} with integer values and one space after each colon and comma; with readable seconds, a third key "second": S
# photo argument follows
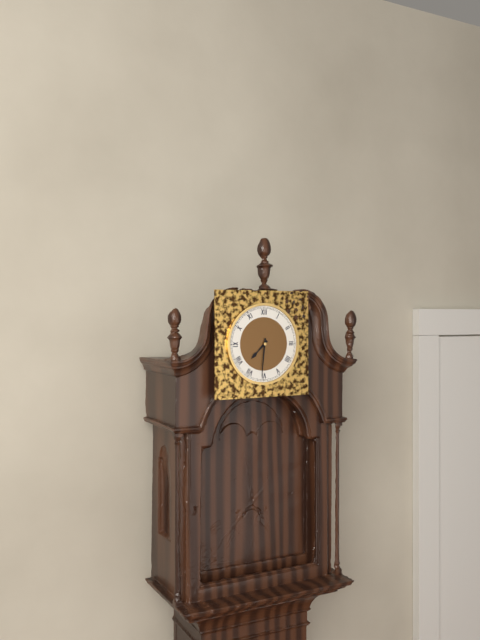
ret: {"hour": 7, "minute": 31}
